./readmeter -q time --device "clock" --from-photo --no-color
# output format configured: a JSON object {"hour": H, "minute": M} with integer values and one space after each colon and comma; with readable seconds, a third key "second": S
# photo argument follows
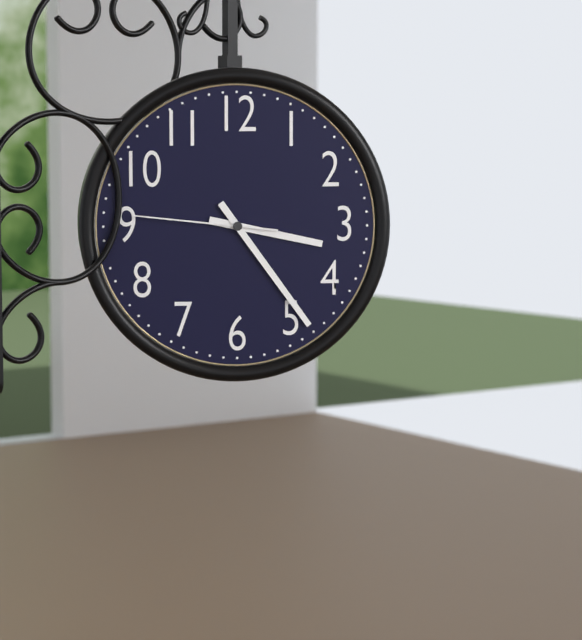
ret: {"hour": 3, "minute": 24, "second": 46}
